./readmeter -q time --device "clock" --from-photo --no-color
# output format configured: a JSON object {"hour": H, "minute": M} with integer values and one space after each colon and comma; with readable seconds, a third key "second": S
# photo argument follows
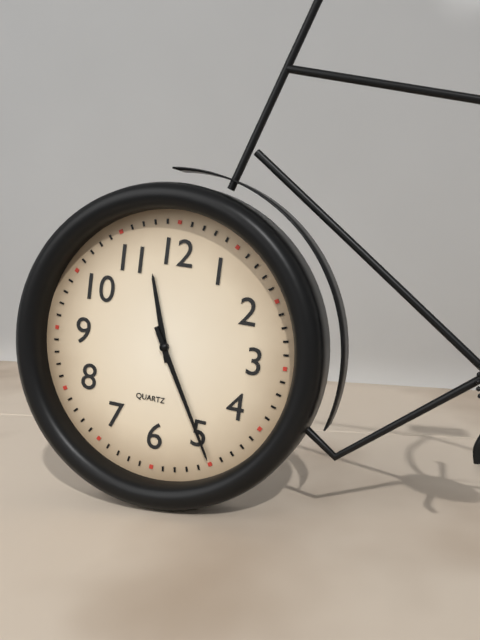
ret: {"hour": 11, "minute": 25}
